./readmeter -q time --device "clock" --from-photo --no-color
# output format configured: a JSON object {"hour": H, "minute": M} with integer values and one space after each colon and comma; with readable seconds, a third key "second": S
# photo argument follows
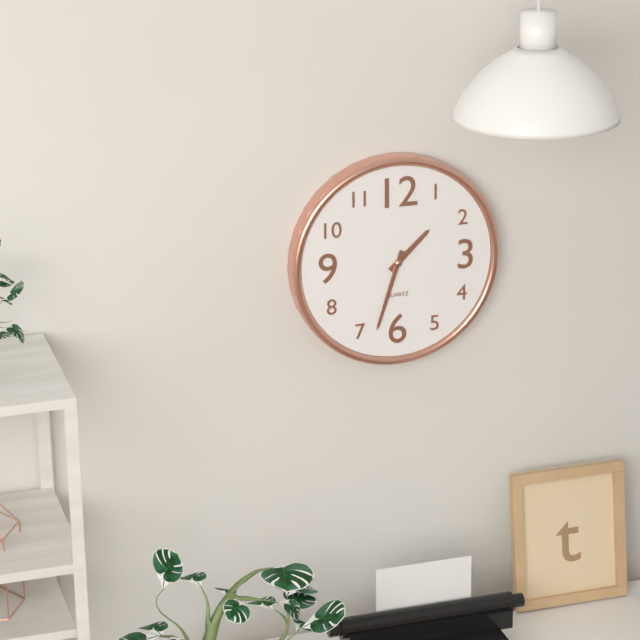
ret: {"hour": 1, "minute": 33}
